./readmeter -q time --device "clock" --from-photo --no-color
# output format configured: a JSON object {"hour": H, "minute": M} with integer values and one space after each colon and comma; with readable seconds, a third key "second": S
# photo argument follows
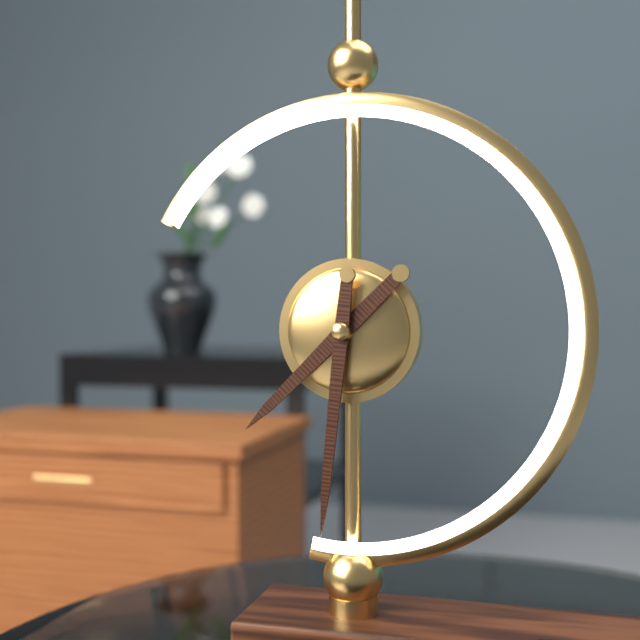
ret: {"hour": 7, "minute": 31}
